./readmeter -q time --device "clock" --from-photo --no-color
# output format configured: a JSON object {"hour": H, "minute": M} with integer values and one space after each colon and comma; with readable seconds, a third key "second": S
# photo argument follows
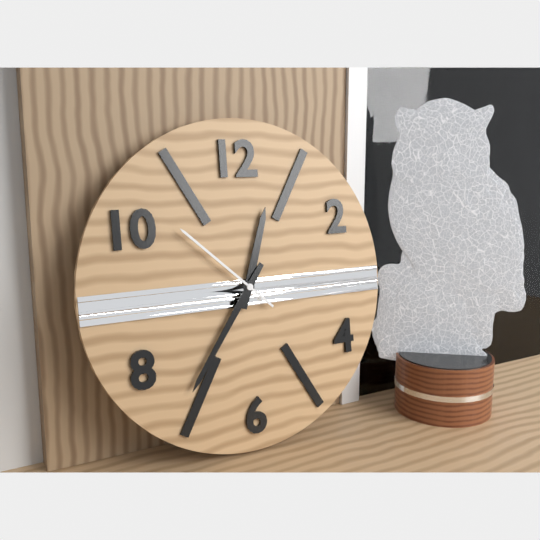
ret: {"hour": 12, "minute": 36, "second": 52}
